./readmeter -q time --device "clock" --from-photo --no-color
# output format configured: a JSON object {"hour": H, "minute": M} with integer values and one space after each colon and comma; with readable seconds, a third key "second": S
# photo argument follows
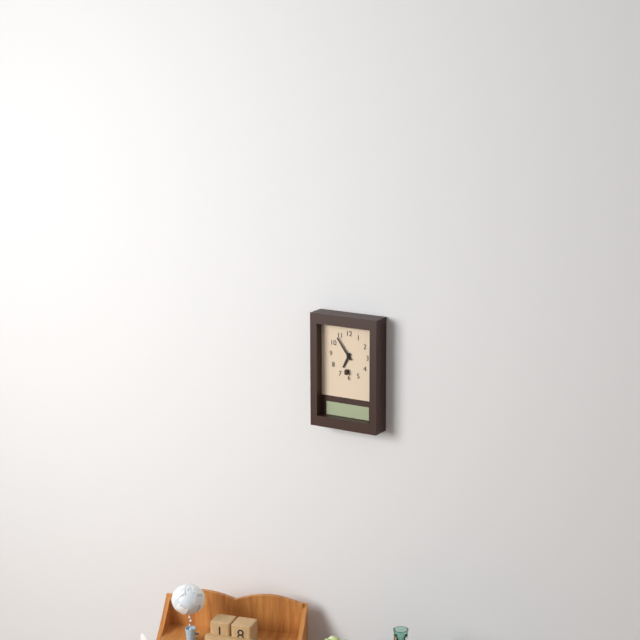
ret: {"hour": 6, "minute": 54}
